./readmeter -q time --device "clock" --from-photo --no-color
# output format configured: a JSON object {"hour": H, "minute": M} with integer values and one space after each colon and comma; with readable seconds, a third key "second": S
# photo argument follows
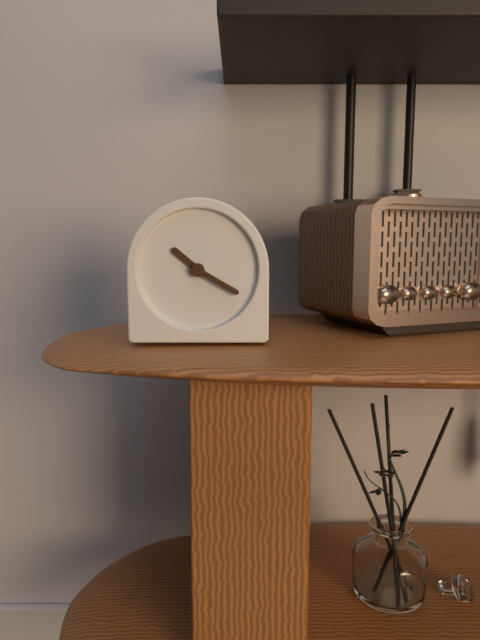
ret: {"hour": 10, "minute": 20}
